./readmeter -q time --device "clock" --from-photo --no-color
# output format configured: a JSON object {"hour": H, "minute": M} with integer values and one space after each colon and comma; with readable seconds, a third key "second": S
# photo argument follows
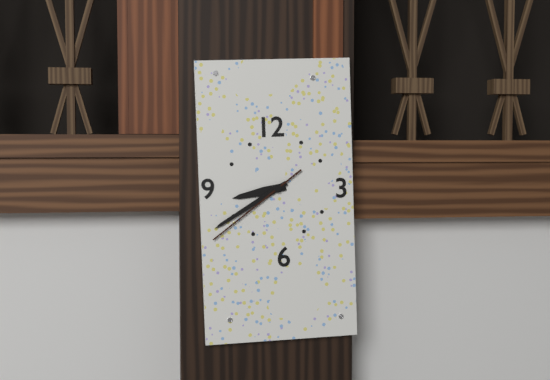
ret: {"hour": 8, "minute": 40, "second": 39}
